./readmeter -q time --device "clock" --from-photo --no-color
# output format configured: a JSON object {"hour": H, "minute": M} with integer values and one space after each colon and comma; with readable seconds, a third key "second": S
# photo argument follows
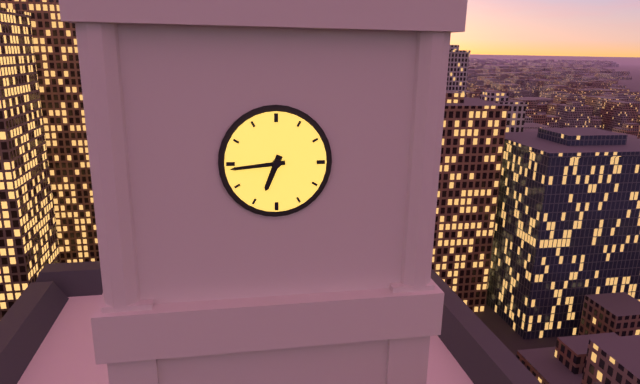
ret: {"hour": 6, "minute": 44}
